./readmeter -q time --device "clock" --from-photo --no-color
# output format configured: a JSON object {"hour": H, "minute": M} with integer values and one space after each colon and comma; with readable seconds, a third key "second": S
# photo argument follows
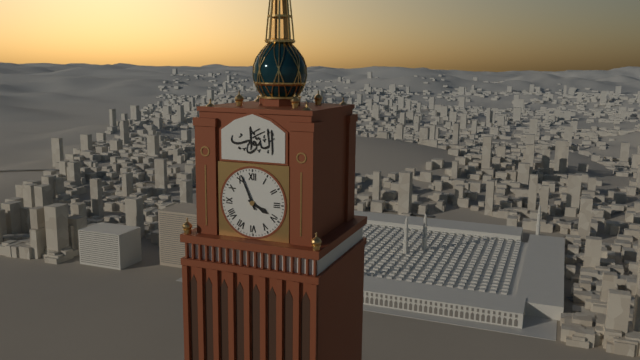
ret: {"hour": 3, "minute": 56}
